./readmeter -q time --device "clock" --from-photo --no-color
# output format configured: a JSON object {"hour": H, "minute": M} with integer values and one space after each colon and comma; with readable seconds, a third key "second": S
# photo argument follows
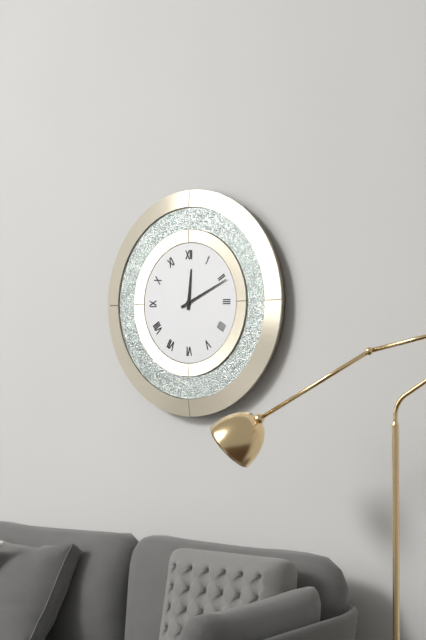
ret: {"hour": 12, "minute": 11}
